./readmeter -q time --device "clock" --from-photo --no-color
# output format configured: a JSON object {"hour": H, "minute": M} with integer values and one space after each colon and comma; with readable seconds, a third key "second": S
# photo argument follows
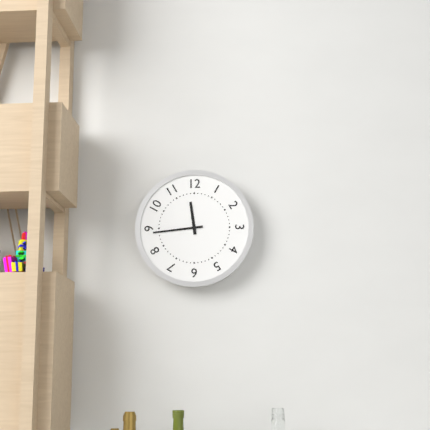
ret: {"hour": 11, "minute": 44}
